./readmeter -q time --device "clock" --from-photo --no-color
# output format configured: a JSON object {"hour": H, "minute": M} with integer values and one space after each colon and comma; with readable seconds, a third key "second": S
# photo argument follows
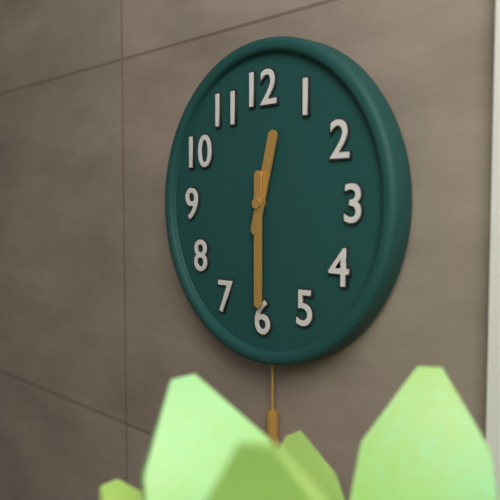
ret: {"hour": 12, "minute": 30}
